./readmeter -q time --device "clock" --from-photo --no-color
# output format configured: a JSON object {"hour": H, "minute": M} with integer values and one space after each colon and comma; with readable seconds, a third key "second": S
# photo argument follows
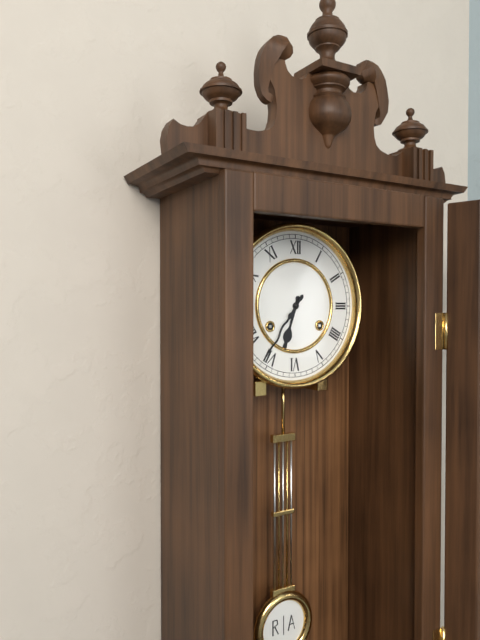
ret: {"hour": 6, "minute": 36}
